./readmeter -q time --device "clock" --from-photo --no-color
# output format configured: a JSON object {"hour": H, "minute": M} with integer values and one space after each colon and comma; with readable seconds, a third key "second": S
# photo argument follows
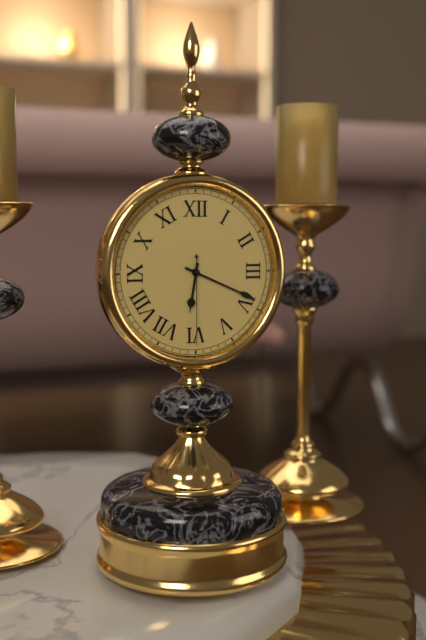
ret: {"hour": 6, "minute": 19, "second": 30}
